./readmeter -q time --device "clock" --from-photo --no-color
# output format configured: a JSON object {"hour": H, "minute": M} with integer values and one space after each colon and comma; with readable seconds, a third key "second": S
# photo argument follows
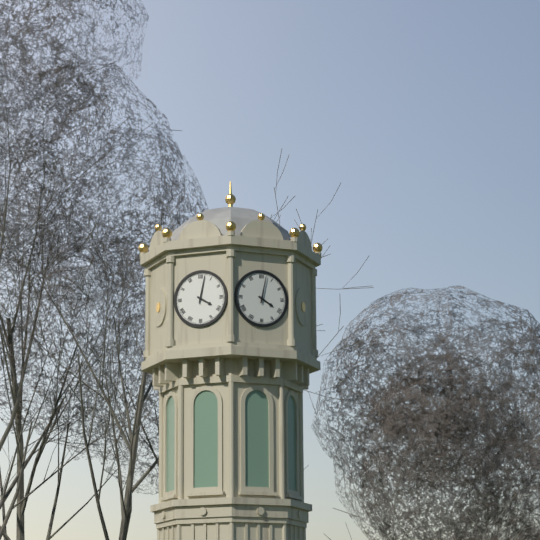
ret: {"hour": 4, "minute": 2}
